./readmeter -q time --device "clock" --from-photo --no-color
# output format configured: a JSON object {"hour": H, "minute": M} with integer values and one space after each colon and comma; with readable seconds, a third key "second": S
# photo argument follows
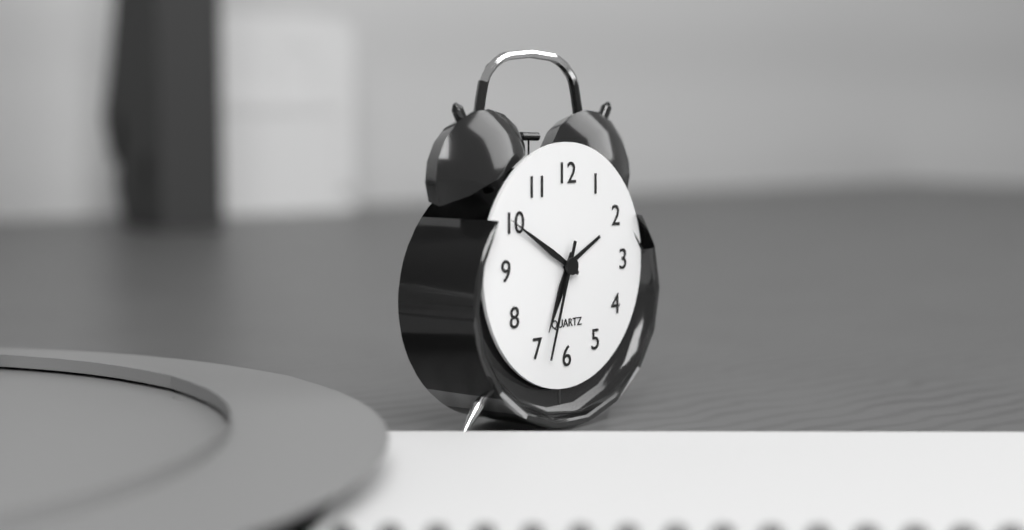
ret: {"hour": 6, "minute": 50, "second": 33}
